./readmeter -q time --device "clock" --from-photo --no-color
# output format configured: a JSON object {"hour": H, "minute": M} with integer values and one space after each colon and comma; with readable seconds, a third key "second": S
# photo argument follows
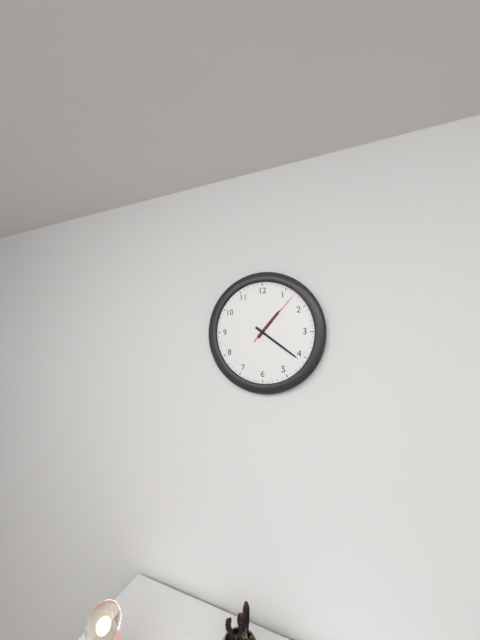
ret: {"hour": 1, "minute": 21, "second": 7}
